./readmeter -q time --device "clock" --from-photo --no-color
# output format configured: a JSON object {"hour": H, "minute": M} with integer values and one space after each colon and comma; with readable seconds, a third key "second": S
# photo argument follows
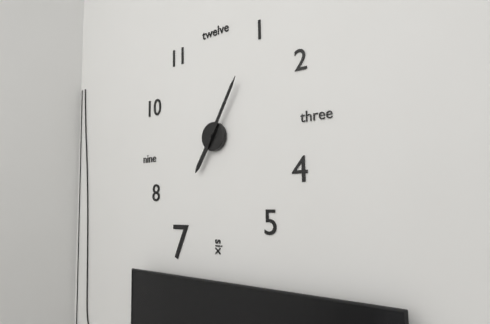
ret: {"hour": 7, "minute": 5}
